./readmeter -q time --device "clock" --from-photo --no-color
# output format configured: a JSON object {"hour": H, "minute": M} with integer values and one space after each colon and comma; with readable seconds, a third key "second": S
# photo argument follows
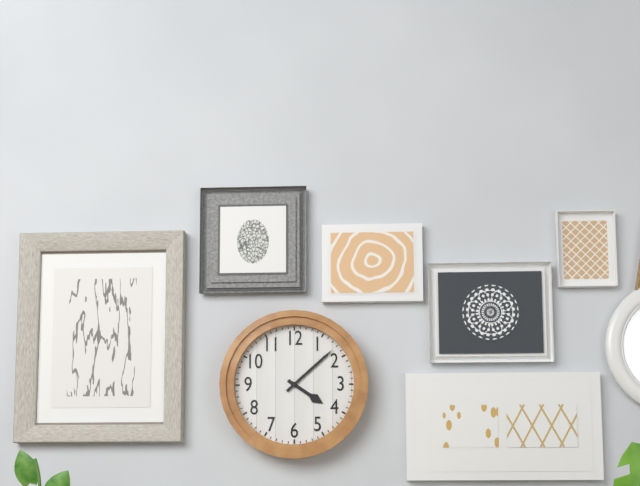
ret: {"hour": 4, "minute": 8}
